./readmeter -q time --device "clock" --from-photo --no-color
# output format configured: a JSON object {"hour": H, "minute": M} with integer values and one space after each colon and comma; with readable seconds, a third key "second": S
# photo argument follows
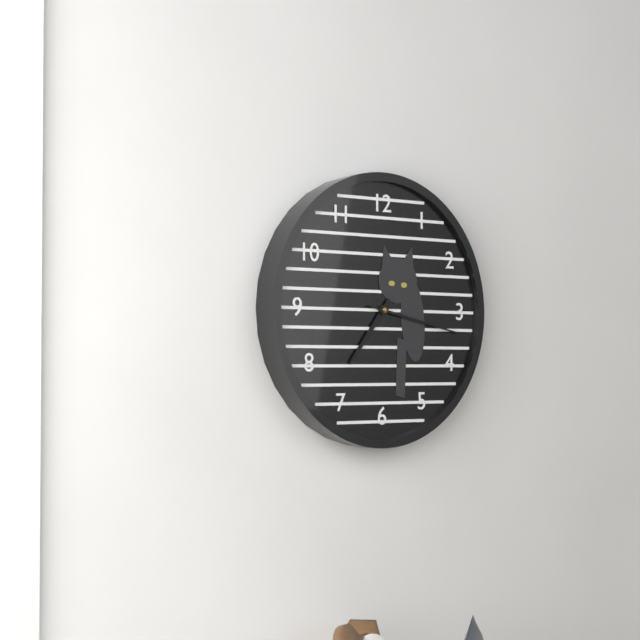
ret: {"hour": 7, "minute": 17}
